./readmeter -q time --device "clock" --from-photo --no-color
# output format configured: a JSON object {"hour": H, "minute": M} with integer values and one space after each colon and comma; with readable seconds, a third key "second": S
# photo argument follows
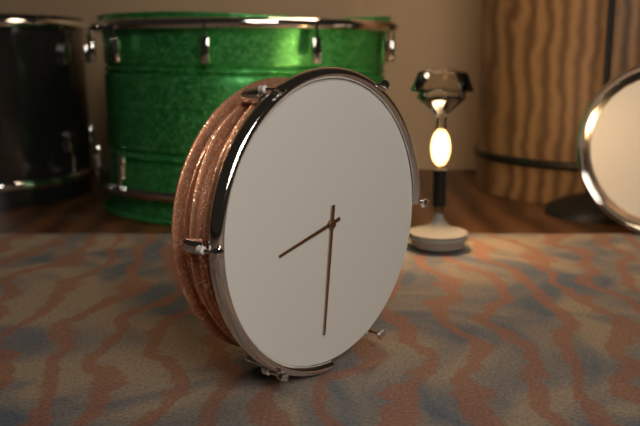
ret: {"hour": 8, "minute": 31}
